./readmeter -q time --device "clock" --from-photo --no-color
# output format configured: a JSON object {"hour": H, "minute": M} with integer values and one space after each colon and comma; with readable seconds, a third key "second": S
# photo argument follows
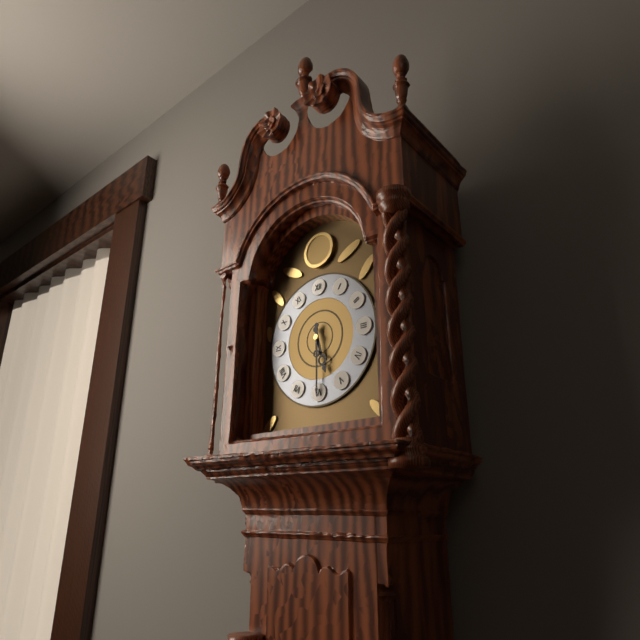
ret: {"hour": 5, "minute": 30}
